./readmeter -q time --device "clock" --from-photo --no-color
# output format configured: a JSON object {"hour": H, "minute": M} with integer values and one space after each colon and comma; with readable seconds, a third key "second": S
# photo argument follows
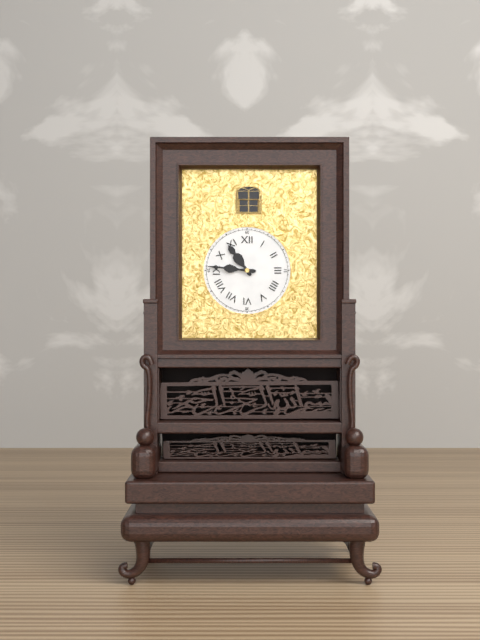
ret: {"hour": 10, "minute": 46}
